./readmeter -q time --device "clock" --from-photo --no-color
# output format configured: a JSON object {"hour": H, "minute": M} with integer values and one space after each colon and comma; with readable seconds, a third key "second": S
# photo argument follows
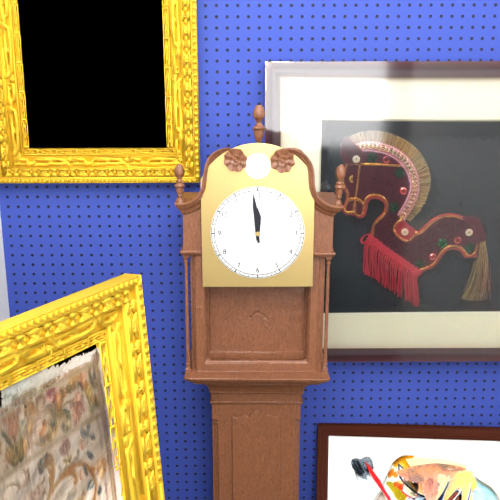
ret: {"hour": 11, "minute": 59}
